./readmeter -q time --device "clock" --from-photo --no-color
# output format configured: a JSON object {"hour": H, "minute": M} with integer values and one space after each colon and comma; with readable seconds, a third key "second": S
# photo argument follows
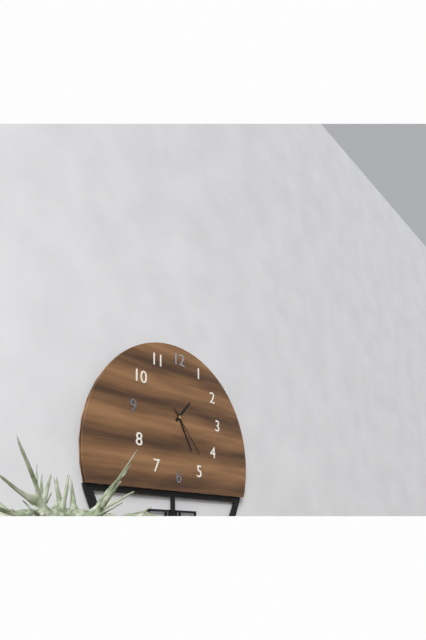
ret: {"hour": 1, "minute": 25, "second": 23}
